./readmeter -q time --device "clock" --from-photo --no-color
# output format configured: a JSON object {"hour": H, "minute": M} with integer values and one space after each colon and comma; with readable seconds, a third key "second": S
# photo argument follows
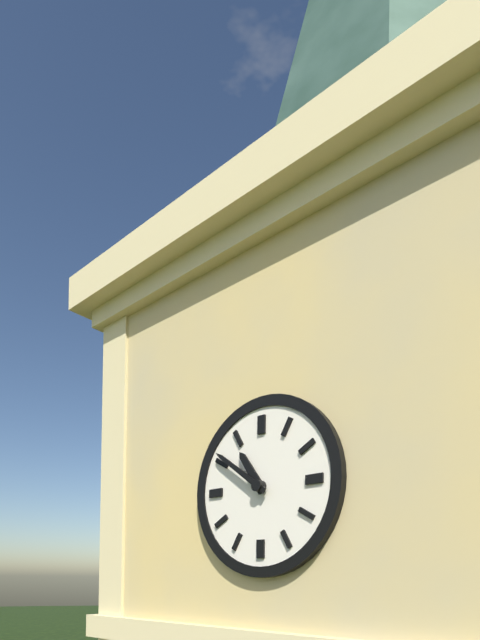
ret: {"hour": 10, "minute": 51}
